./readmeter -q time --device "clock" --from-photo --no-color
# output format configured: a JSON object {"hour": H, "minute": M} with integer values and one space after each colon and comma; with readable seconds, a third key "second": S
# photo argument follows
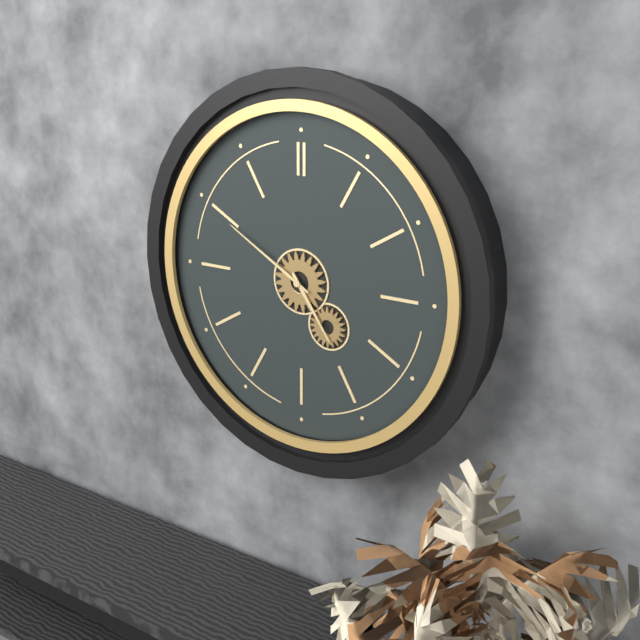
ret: {"hour": 4, "minute": 50}
